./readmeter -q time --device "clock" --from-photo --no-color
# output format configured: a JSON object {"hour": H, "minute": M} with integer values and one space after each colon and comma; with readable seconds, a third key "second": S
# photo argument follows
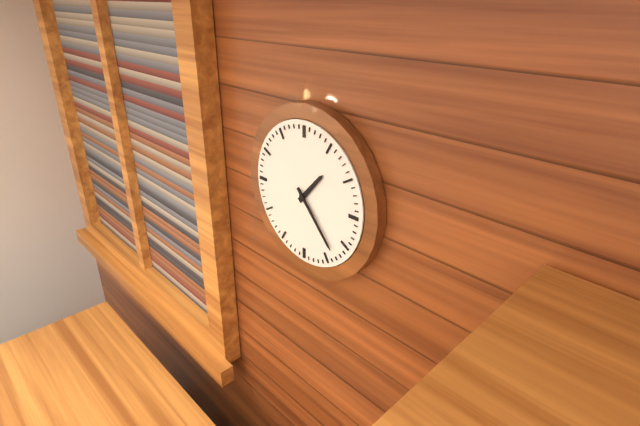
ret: {"hour": 1, "minute": 23}
